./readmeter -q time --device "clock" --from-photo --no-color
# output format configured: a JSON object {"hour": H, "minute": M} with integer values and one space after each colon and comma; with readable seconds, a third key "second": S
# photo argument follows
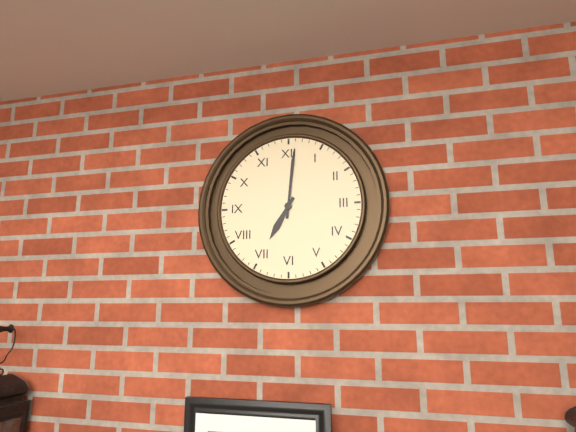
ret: {"hour": 7, "minute": 1}
